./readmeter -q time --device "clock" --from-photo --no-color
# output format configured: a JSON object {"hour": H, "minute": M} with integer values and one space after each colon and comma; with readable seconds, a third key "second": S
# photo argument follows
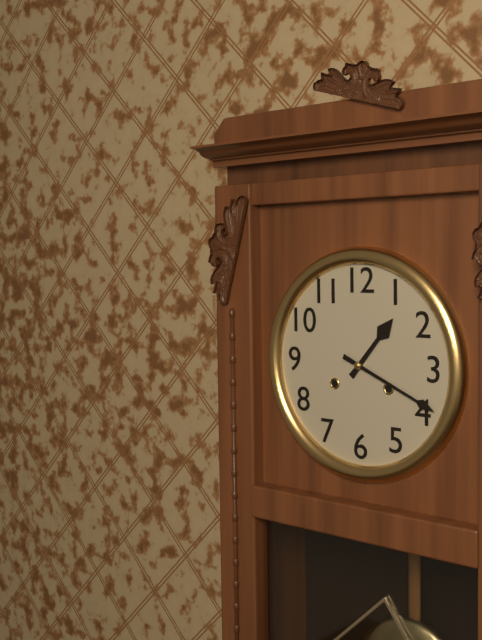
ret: {"hour": 1, "minute": 19}
